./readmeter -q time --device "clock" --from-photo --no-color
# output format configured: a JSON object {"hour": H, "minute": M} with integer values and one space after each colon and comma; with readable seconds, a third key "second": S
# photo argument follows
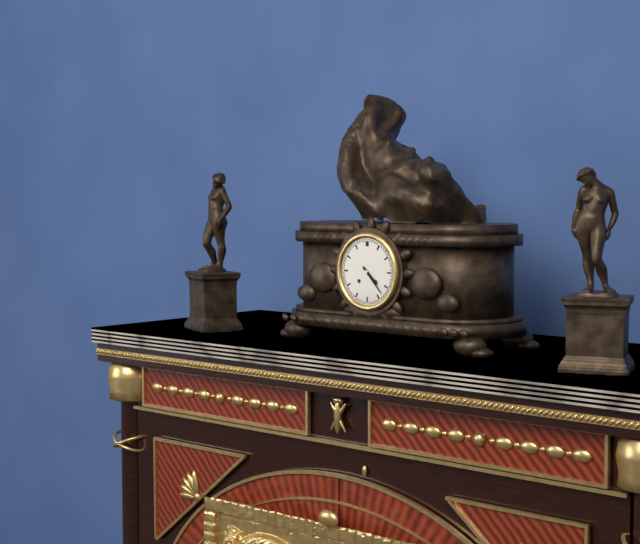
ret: {"hour": 4, "minute": 23}
